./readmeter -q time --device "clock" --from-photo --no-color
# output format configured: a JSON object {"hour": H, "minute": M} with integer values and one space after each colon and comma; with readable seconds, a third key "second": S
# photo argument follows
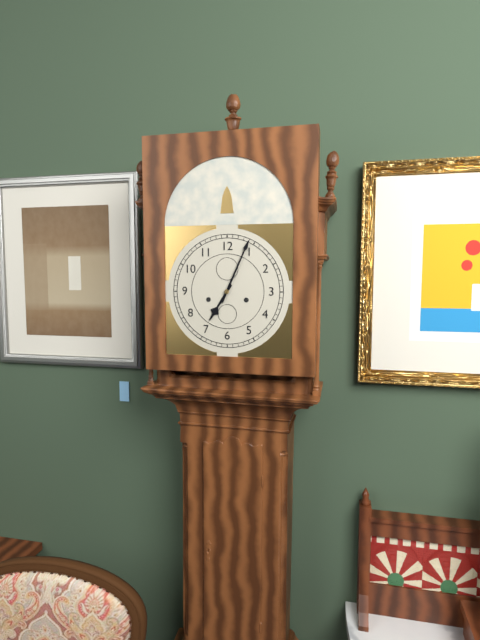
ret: {"hour": 7, "minute": 4}
